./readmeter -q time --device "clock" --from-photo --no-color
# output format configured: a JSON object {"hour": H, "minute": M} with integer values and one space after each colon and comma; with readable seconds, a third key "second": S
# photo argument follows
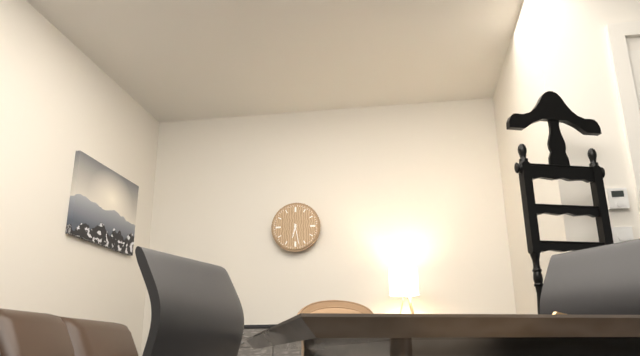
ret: {"hour": 6, "minute": 28}
